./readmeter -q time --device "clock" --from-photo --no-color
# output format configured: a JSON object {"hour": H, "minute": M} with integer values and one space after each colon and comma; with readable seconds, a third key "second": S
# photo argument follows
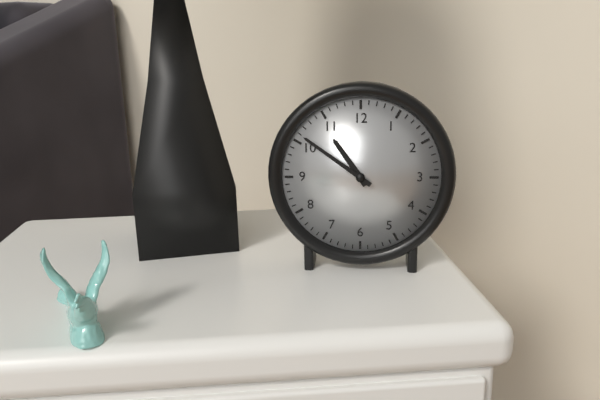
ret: {"hour": 10, "minute": 51}
